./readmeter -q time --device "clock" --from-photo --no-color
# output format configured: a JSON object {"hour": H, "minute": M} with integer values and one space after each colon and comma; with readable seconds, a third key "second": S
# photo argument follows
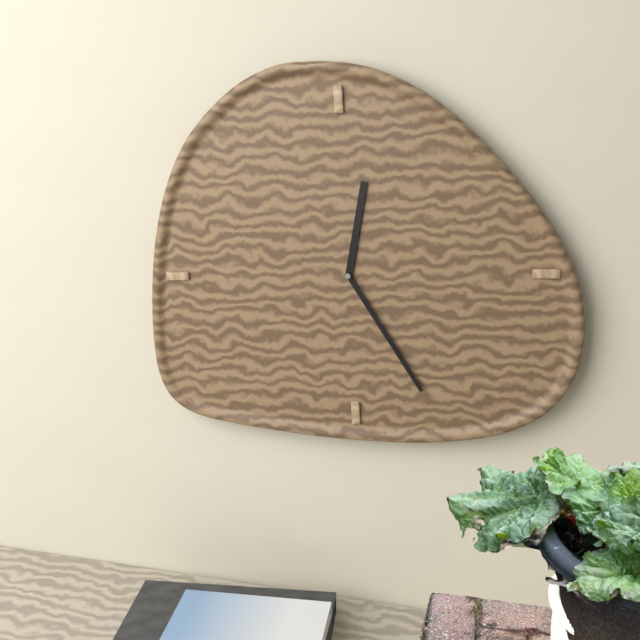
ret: {"hour": 12, "minute": 25}
